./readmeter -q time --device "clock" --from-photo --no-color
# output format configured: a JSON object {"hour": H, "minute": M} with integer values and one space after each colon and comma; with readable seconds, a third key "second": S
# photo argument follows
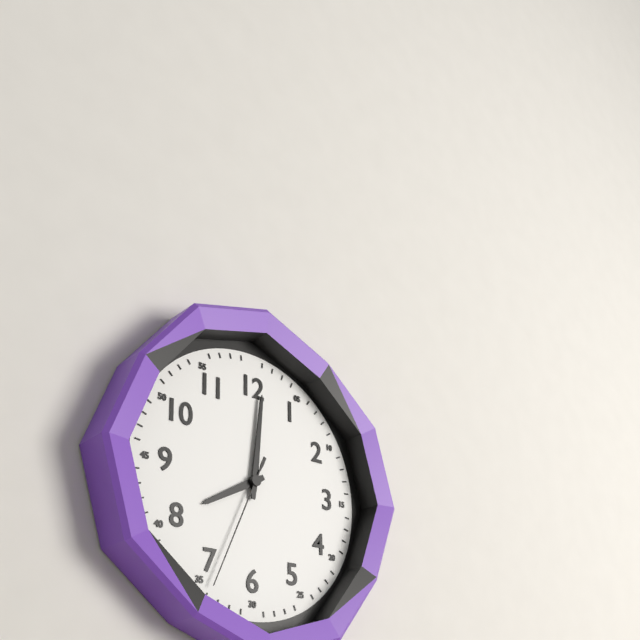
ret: {"hour": 8, "minute": 1, "second": 34}
